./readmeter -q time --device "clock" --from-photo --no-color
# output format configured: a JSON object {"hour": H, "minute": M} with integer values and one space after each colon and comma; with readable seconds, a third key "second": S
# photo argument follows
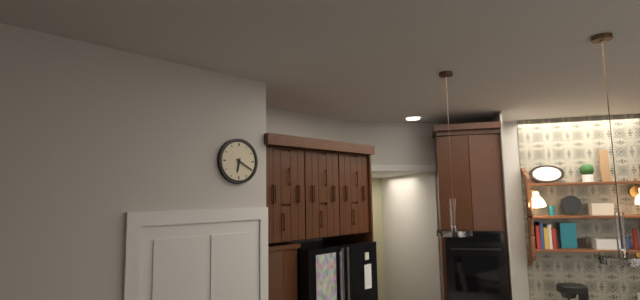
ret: {"hour": 6, "minute": 20}
